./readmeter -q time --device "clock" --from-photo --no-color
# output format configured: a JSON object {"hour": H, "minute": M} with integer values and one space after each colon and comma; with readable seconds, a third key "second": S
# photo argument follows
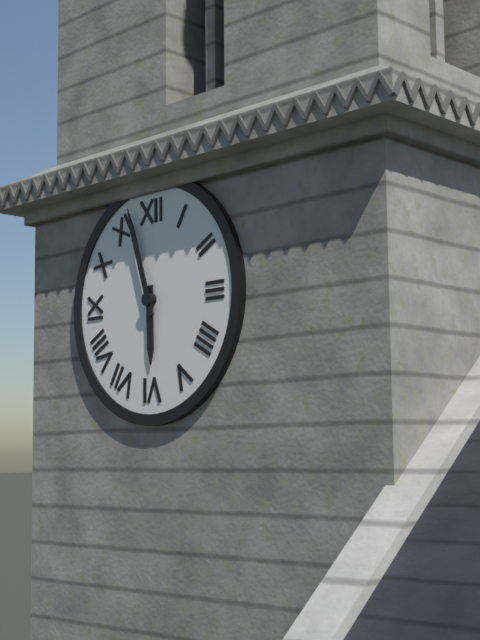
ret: {"hour": 5, "minute": 57}
